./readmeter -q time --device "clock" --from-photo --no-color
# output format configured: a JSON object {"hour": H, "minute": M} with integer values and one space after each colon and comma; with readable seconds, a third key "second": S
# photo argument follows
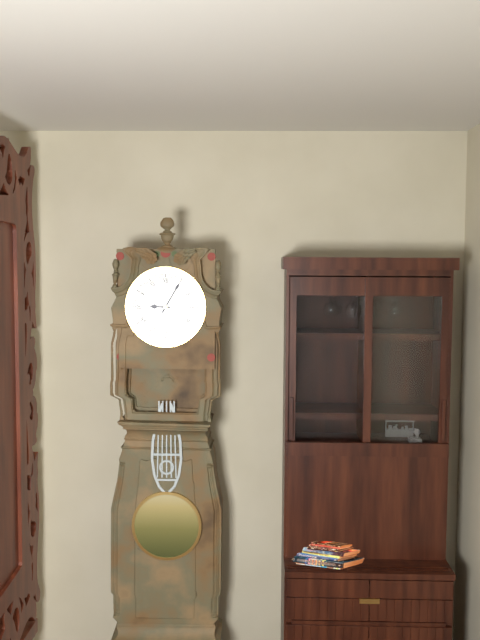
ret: {"hour": 9, "minute": 5}
